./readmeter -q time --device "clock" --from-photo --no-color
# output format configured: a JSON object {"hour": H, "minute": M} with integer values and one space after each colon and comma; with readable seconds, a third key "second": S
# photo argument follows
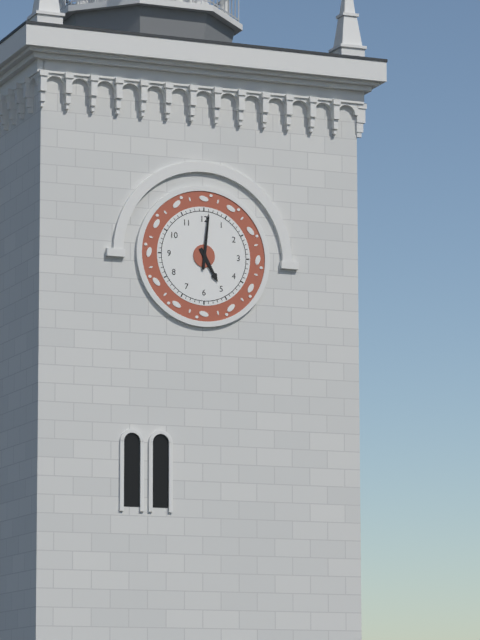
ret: {"hour": 5, "minute": 1}
